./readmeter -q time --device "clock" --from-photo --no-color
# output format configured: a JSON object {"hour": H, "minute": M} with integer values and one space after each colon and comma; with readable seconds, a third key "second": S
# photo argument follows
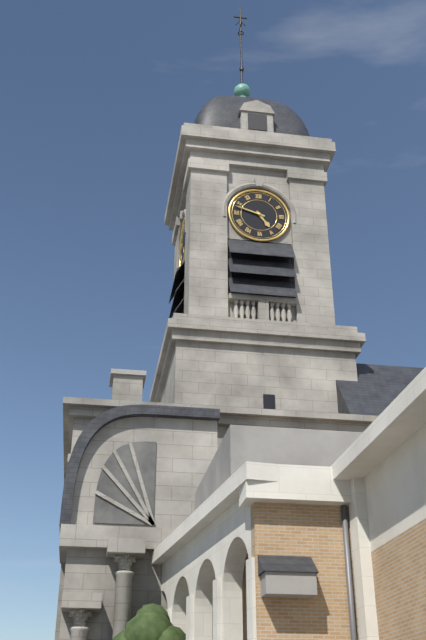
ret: {"hour": 4, "minute": 48}
